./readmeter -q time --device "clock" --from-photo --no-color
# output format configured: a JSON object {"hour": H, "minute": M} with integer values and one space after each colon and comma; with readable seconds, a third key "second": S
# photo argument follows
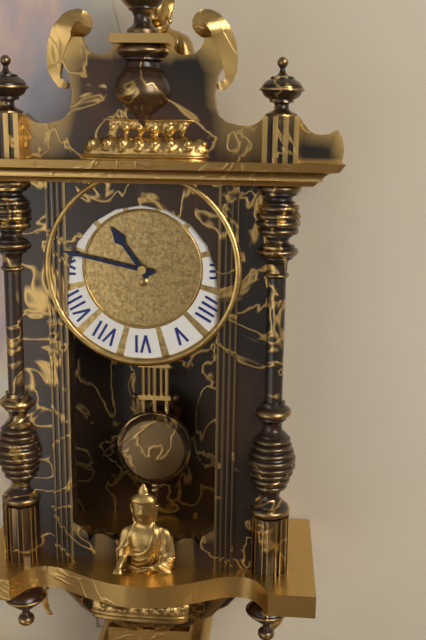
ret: {"hour": 10, "minute": 47}
